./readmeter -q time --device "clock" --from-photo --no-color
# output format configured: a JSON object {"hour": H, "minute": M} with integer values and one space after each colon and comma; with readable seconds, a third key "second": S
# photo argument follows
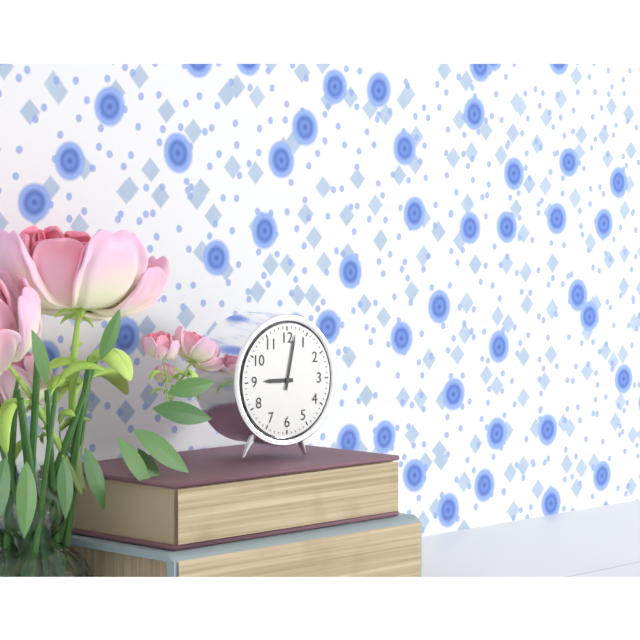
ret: {"hour": 9, "minute": 2}
